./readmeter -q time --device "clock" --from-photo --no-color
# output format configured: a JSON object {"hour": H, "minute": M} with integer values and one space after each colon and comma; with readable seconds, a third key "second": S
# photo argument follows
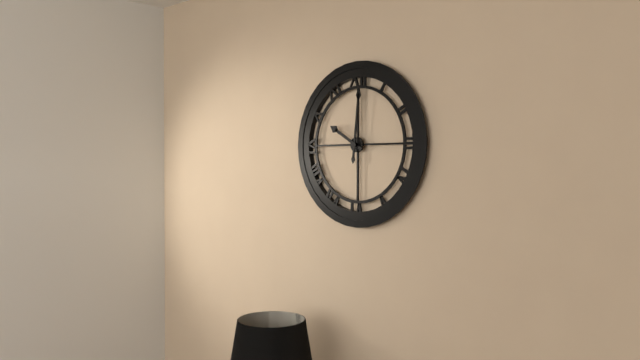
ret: {"hour": 10, "minute": 1}
